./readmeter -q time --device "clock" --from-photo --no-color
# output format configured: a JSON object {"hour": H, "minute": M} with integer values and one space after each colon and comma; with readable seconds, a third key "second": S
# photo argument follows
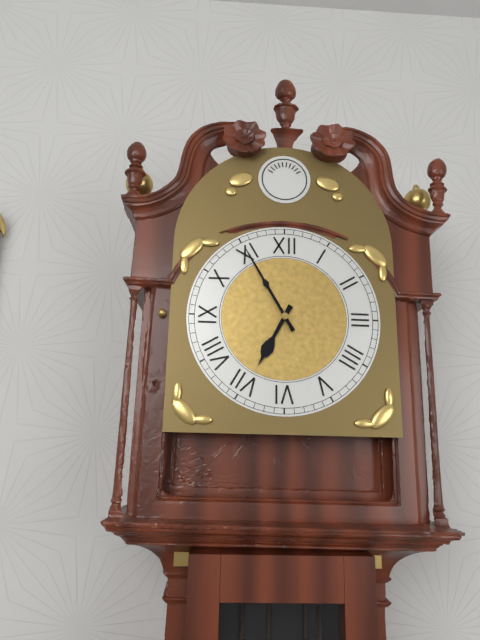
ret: {"hour": 6, "minute": 55}
